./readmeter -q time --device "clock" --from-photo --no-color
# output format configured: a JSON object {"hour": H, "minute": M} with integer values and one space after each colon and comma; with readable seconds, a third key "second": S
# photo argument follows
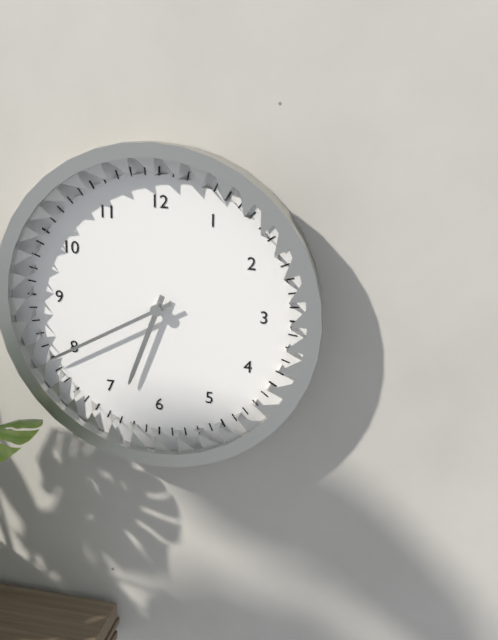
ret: {"hour": 6, "minute": 40}
